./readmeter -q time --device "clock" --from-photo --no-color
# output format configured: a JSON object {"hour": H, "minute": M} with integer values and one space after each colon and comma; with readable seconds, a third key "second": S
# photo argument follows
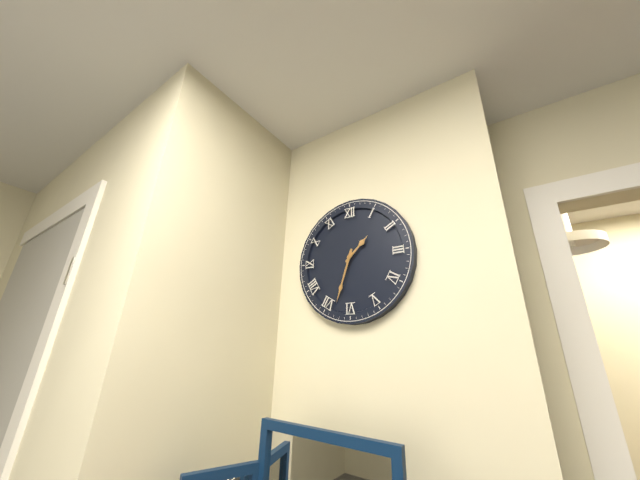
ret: {"hour": 1, "minute": 33}
